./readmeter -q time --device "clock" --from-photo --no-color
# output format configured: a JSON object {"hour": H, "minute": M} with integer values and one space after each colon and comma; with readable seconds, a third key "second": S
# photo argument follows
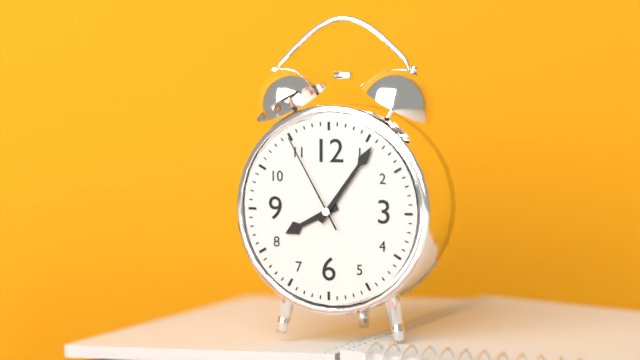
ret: {"hour": 8, "minute": 6, "second": 55}
